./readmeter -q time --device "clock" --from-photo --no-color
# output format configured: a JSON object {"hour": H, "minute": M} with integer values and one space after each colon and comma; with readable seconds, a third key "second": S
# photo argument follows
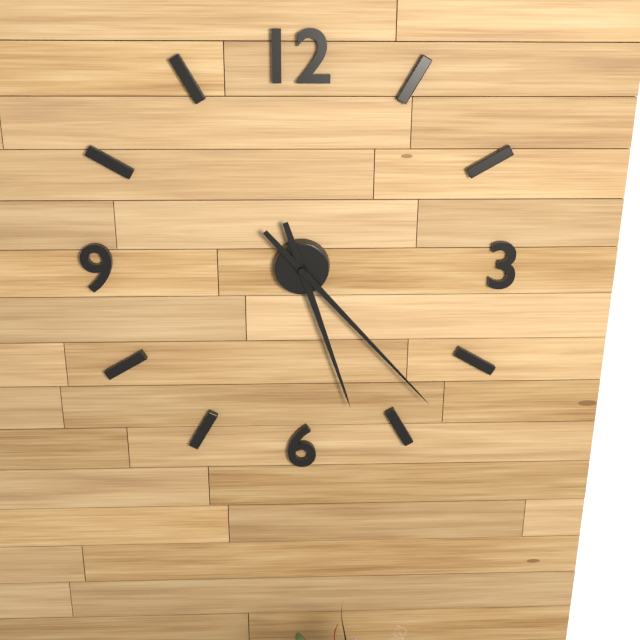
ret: {"hour": 5, "minute": 23}
